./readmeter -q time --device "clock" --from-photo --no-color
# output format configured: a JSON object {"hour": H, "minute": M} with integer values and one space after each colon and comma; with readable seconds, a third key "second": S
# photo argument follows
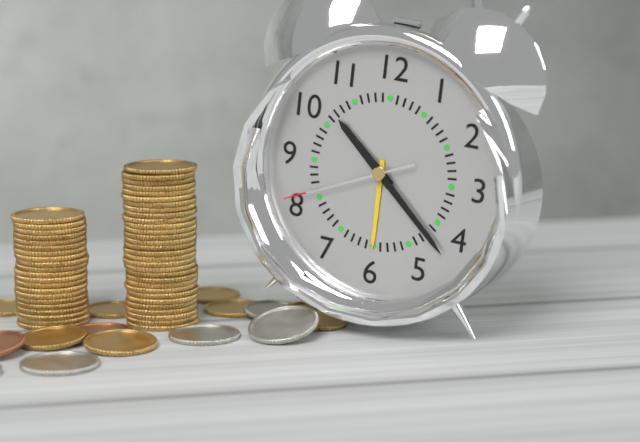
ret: {"hour": 10, "minute": 22, "second": 41}
